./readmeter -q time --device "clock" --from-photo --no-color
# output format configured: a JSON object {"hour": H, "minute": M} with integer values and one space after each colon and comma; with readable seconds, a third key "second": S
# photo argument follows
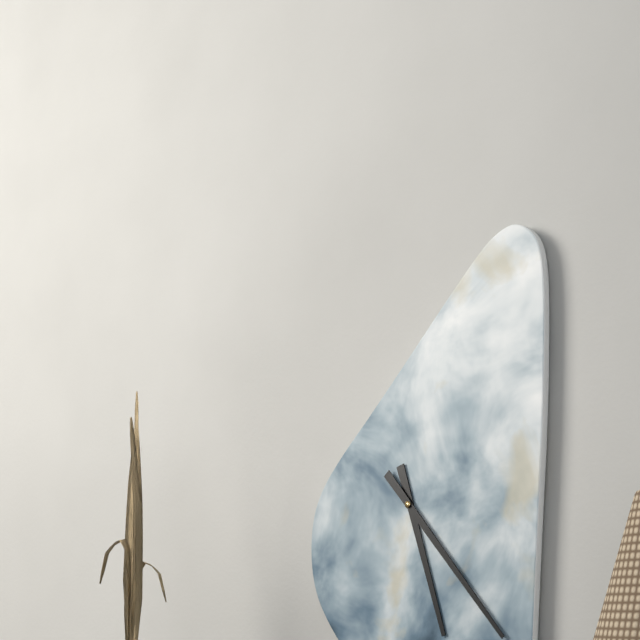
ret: {"hour": 5, "minute": 23}
